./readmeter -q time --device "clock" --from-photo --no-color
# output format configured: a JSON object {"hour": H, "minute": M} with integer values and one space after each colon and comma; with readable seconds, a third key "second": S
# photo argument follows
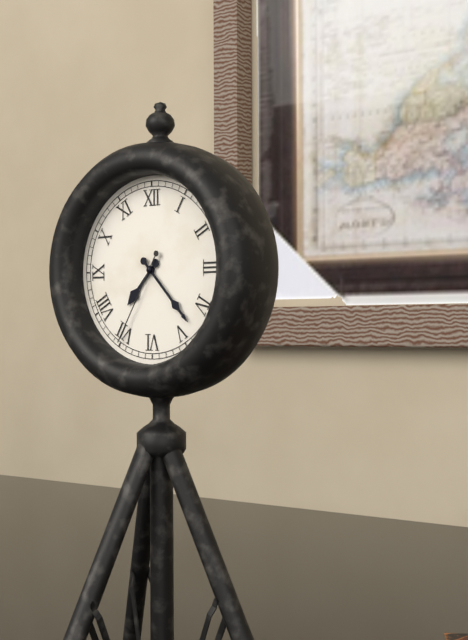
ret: {"hour": 7, "minute": 23, "second": 35}
